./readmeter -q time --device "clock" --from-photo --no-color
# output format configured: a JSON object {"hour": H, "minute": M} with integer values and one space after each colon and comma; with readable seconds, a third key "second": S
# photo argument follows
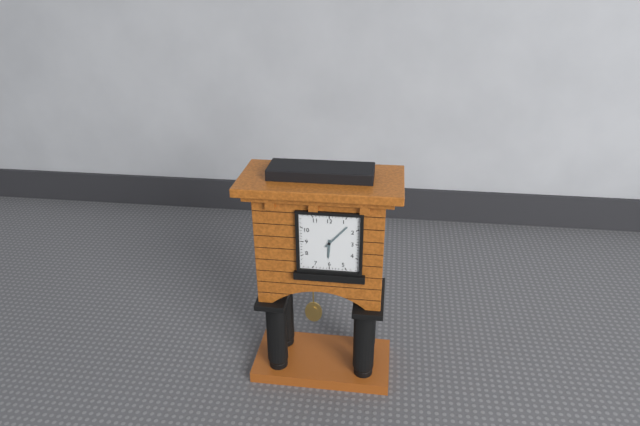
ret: {"hour": 6, "minute": 7}
